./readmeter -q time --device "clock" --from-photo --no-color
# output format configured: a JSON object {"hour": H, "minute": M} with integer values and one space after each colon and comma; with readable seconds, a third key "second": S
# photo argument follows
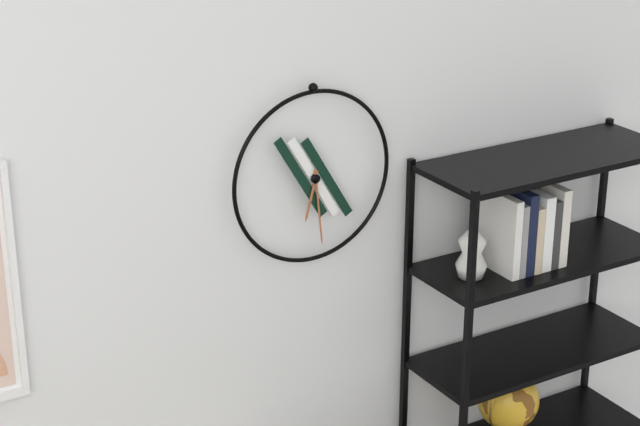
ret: {"hour": 6, "minute": 29}
